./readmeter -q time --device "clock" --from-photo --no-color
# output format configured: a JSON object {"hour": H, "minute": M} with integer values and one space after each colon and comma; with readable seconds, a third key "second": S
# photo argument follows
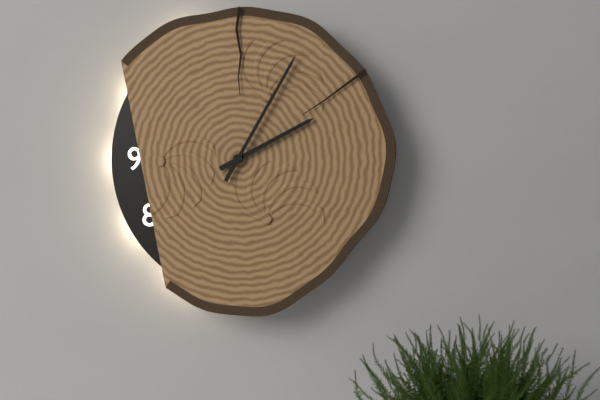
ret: {"hour": 2, "minute": 5}
